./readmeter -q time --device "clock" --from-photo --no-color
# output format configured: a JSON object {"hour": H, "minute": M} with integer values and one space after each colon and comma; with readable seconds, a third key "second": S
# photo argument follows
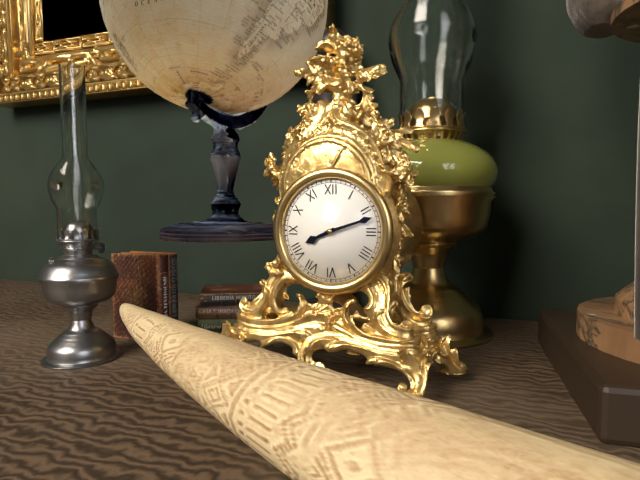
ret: {"hour": 8, "minute": 12}
